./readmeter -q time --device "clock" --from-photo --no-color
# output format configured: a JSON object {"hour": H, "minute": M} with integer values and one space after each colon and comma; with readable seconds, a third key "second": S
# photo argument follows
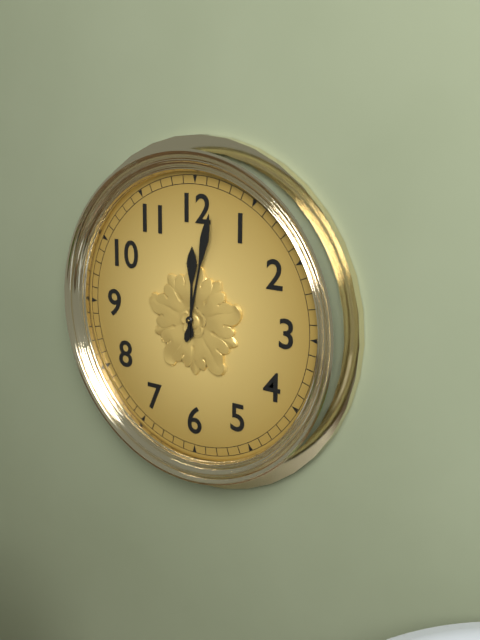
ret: {"hour": 12, "minute": 2}
